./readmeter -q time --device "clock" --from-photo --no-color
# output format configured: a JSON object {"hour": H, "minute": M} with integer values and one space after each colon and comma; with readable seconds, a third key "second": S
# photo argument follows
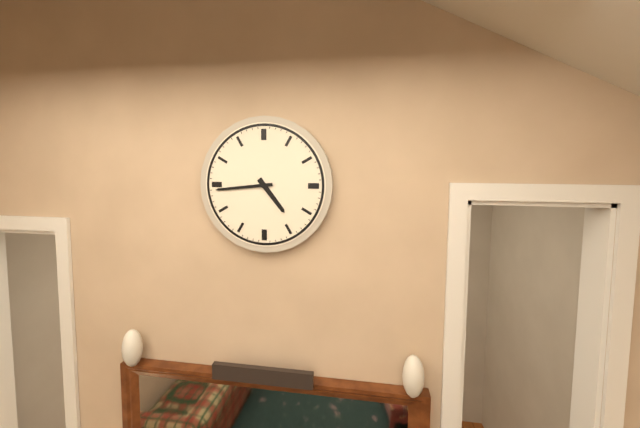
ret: {"hour": 4, "minute": 44}
